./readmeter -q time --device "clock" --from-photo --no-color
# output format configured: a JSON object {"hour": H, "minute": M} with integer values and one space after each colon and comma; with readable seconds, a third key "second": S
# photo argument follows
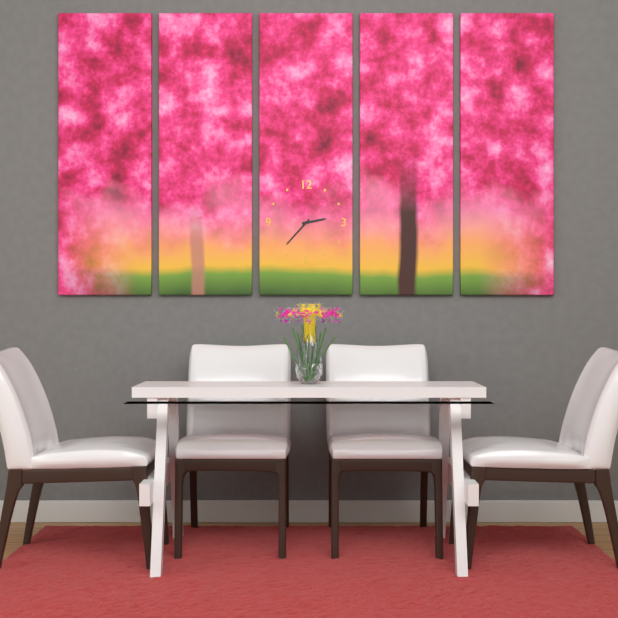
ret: {"hour": 2, "minute": 37}
